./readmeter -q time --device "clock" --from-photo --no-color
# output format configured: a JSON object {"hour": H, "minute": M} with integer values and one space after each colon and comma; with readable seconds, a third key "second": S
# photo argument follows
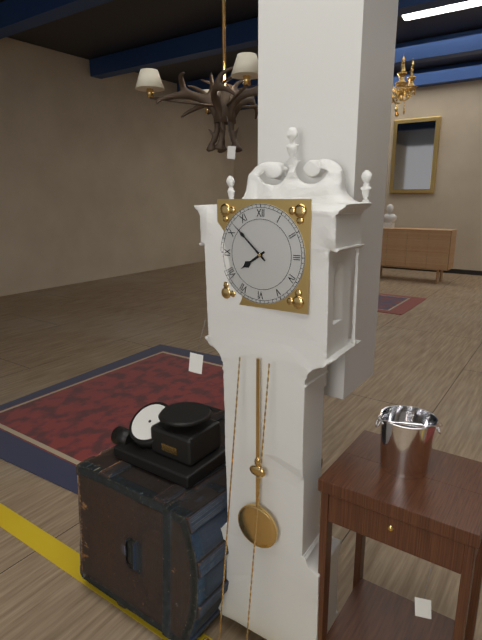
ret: {"hour": 7, "minute": 52}
